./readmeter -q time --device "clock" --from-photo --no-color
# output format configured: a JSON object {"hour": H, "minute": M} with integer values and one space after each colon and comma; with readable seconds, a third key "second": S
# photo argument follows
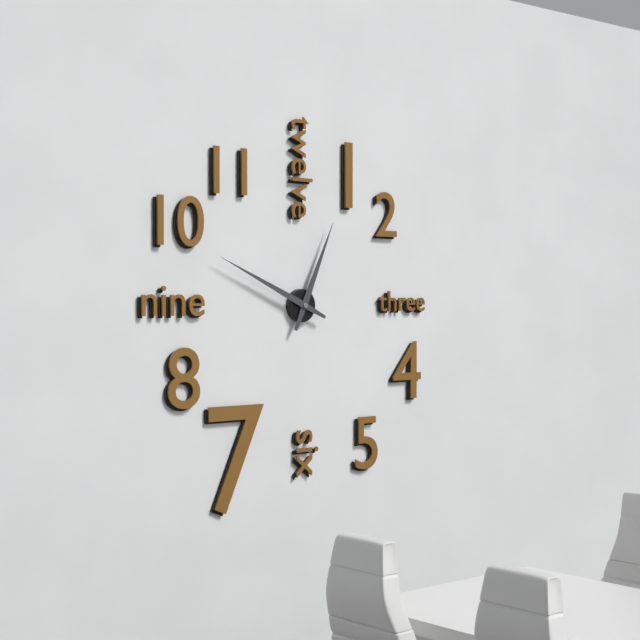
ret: {"hour": 12, "minute": 49}
